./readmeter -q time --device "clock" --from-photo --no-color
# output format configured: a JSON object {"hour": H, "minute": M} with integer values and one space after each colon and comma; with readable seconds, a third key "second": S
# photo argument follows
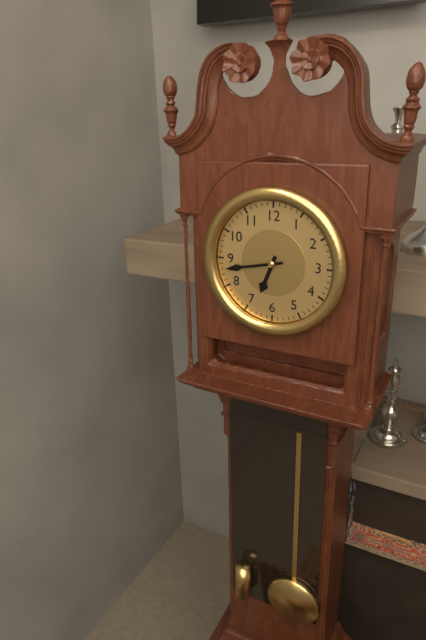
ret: {"hour": 6, "minute": 43}
